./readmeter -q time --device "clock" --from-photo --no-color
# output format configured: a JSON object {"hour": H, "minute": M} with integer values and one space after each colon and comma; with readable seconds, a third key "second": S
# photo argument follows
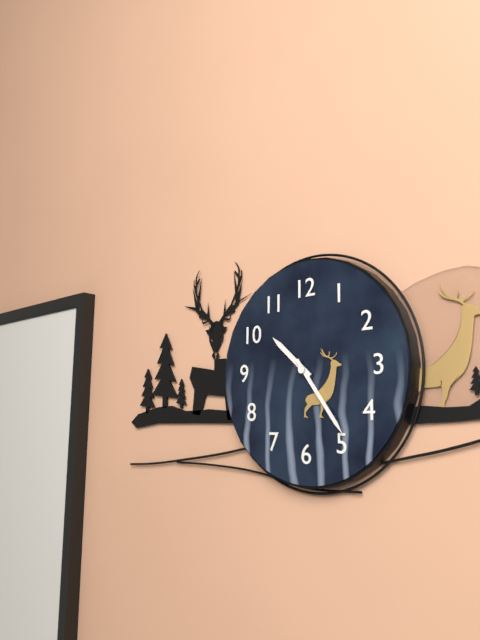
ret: {"hour": 10, "minute": 24}
